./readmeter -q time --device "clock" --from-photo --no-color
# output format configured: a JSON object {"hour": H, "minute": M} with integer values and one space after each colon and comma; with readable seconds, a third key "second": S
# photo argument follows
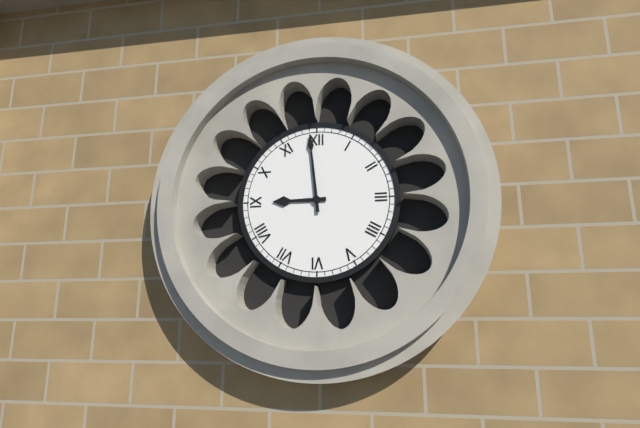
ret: {"hour": 8, "minute": 59}
